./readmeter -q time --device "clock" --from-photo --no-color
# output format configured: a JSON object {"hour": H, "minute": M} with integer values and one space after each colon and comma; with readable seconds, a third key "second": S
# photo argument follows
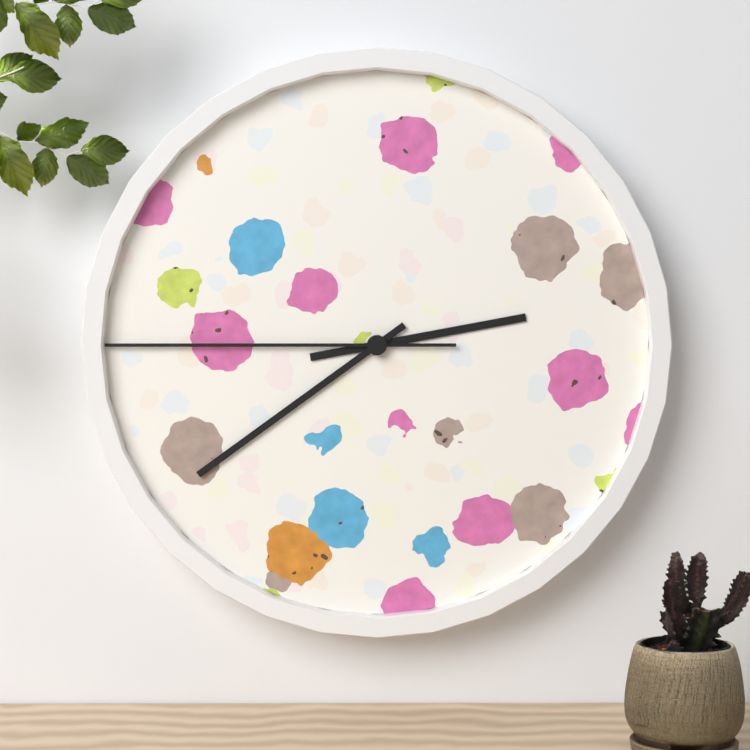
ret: {"hour": 2, "minute": 39, "second": 45}
